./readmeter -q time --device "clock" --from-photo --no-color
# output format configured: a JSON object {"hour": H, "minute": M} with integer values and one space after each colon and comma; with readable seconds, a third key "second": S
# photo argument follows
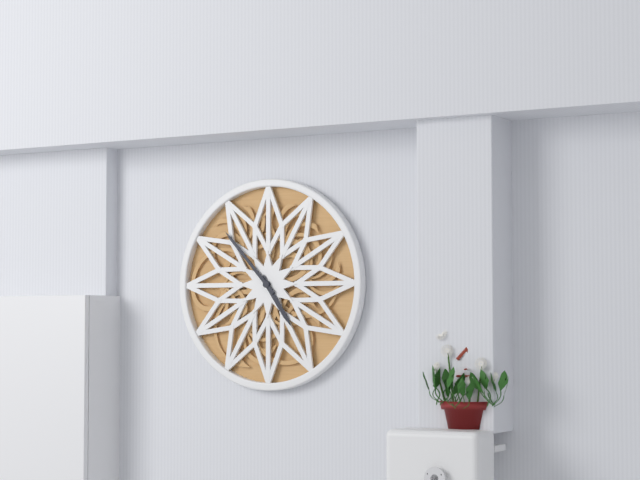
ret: {"hour": 4, "minute": 53}
